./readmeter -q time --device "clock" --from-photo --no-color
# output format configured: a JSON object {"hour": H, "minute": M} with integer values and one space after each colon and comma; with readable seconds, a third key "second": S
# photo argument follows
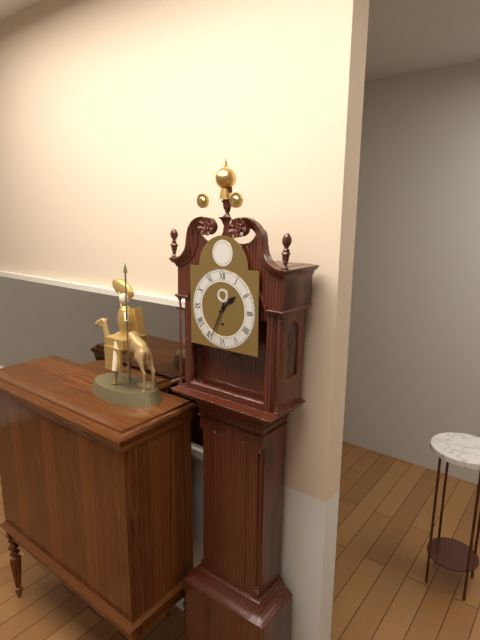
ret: {"hour": 1, "minute": 34}
